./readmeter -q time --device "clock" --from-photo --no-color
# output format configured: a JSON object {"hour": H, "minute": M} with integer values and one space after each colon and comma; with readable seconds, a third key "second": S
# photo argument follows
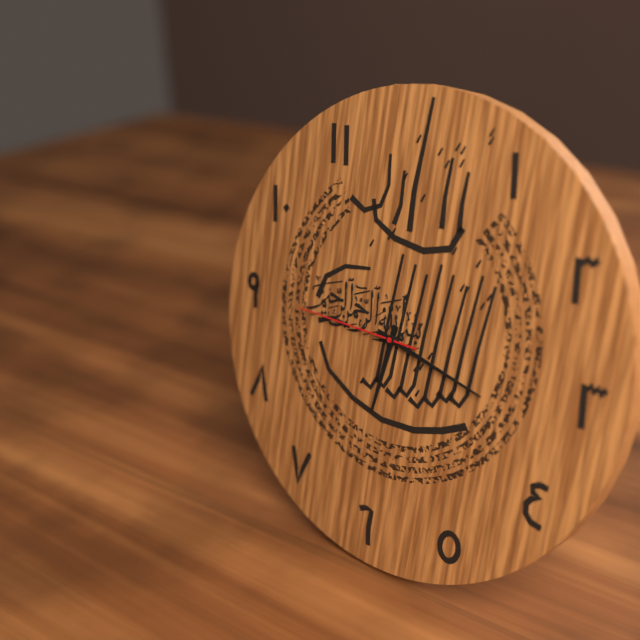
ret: {"hour": 6, "minute": 17, "second": 45}
